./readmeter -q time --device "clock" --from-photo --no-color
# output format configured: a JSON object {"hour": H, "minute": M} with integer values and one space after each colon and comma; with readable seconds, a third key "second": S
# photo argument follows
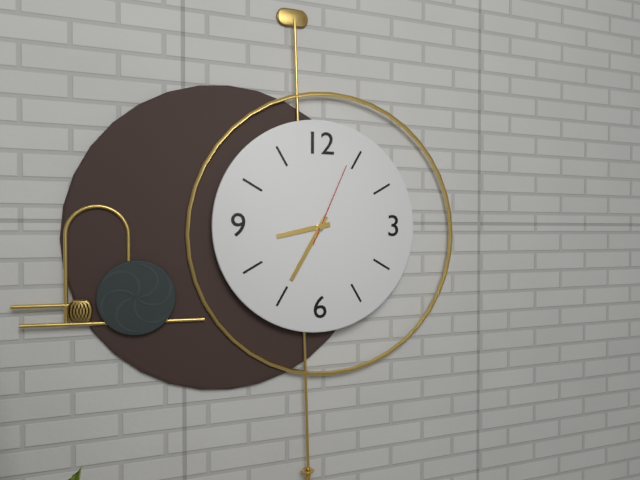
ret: {"hour": 8, "minute": 35, "second": 4}
